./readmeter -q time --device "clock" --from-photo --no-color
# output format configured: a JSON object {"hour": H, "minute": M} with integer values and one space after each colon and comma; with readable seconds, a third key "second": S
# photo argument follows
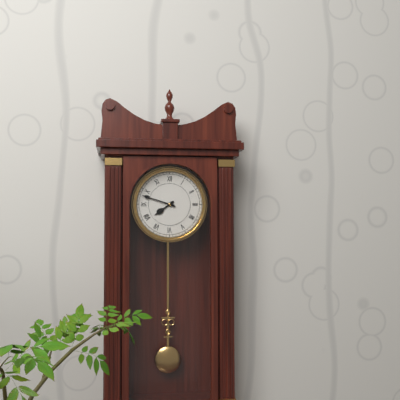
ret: {"hour": 7, "minute": 48}
